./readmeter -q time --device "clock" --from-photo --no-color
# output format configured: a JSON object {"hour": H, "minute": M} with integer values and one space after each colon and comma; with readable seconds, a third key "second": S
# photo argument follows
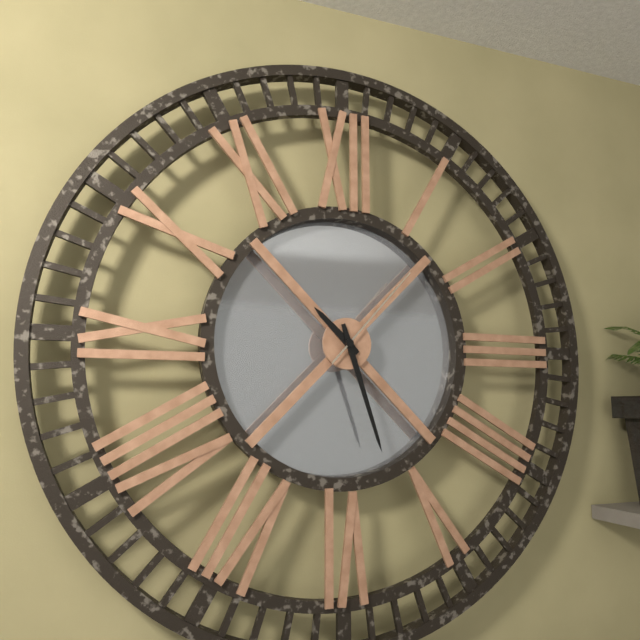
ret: {"hour": 10, "minute": 27, "second": 7}
